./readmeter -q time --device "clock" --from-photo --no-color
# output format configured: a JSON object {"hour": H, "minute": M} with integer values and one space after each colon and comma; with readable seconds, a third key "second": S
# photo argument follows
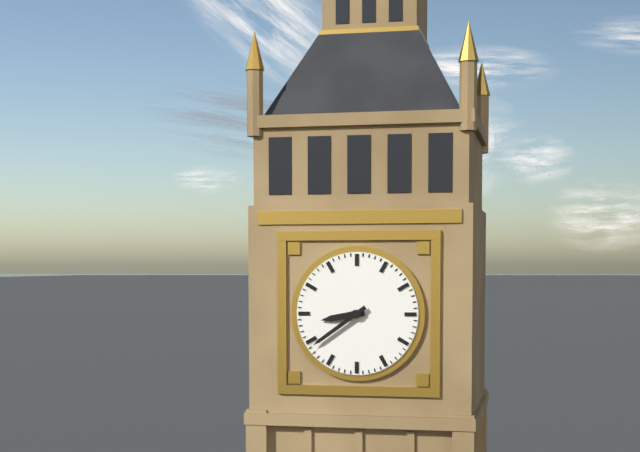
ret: {"hour": 8, "minute": 39}
